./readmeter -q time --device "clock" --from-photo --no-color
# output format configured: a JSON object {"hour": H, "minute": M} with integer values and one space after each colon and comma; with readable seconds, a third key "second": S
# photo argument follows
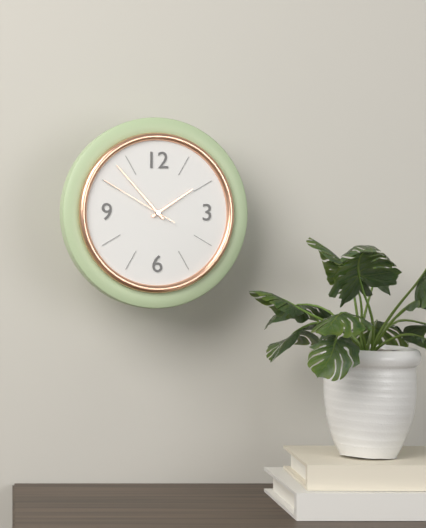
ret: {"hour": 1, "minute": 53, "second": 50}
